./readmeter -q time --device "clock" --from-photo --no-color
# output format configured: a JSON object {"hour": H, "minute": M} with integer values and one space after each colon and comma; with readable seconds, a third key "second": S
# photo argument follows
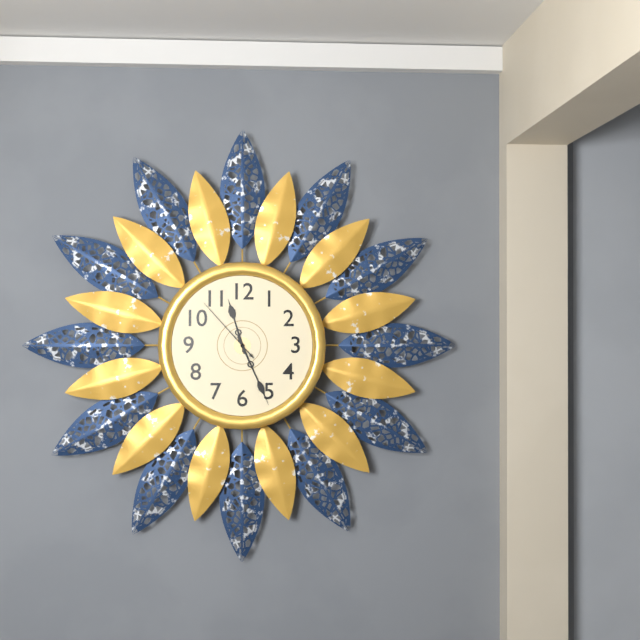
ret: {"hour": 11, "minute": 26, "second": 53}
